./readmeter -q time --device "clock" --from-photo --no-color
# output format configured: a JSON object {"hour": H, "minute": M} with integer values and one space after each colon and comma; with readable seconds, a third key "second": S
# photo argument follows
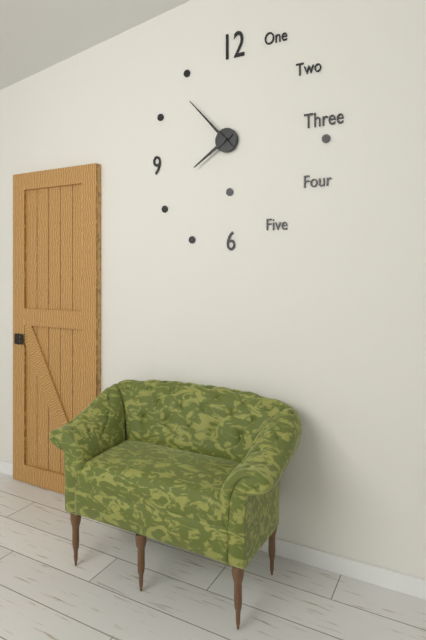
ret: {"hour": 7, "minute": 53}
